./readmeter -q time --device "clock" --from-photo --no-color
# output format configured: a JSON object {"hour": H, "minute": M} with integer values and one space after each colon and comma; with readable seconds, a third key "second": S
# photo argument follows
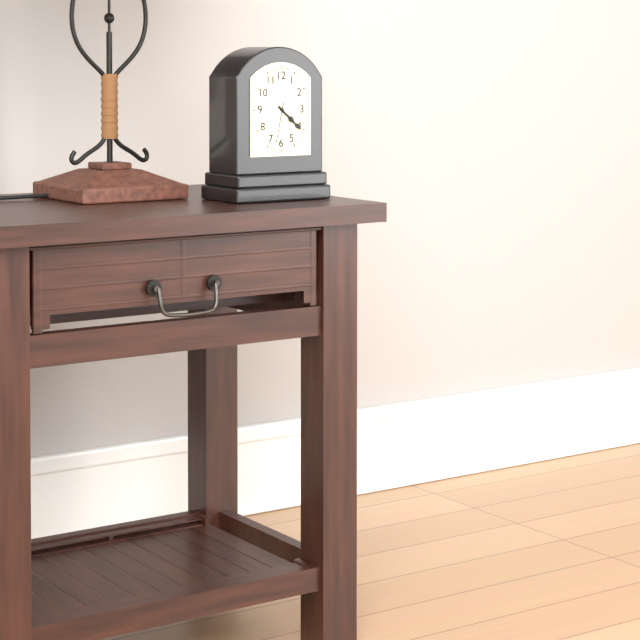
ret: {"hour": 4, "minute": 22}
